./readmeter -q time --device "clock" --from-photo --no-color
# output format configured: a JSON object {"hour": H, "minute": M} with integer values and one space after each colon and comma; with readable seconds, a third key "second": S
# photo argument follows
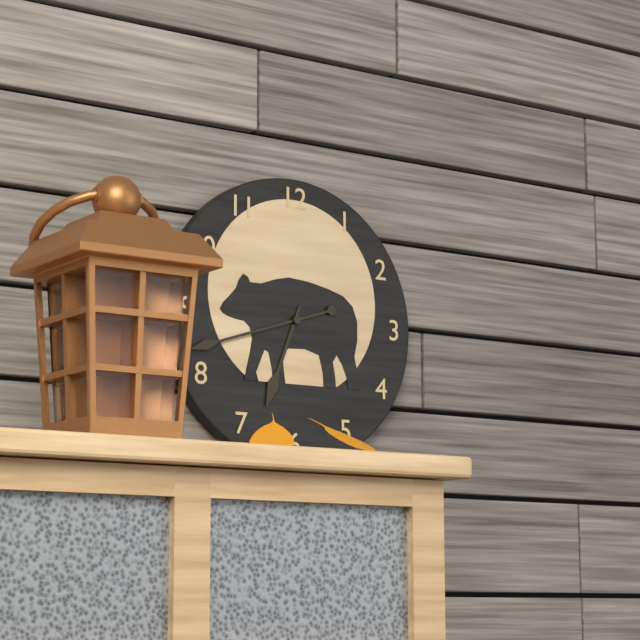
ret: {"hour": 6, "minute": 42}
